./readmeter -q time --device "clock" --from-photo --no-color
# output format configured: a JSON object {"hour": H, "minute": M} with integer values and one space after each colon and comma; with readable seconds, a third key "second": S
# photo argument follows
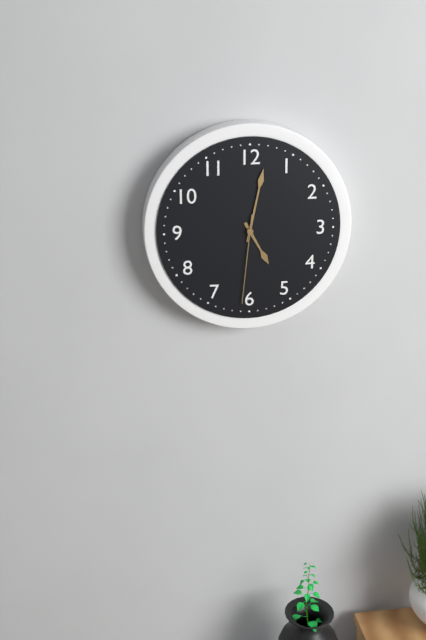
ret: {"hour": 5, "minute": 2, "second": 31}
